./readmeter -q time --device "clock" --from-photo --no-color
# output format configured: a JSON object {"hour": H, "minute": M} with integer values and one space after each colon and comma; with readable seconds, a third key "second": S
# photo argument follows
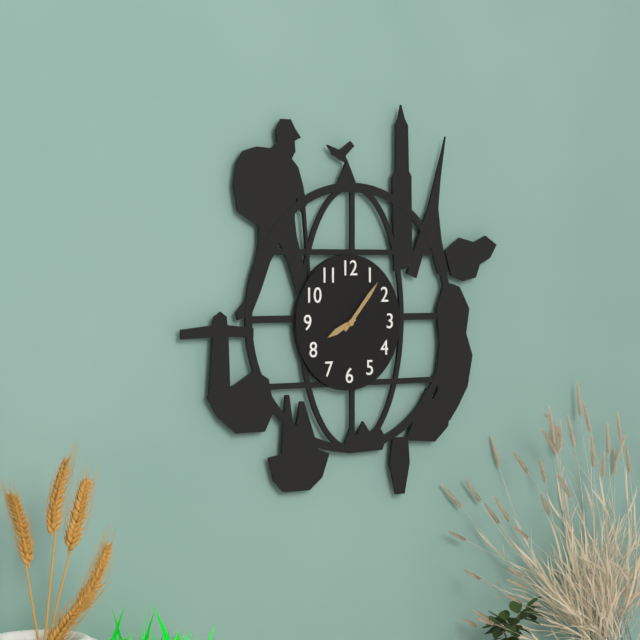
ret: {"hour": 8, "minute": 7}
